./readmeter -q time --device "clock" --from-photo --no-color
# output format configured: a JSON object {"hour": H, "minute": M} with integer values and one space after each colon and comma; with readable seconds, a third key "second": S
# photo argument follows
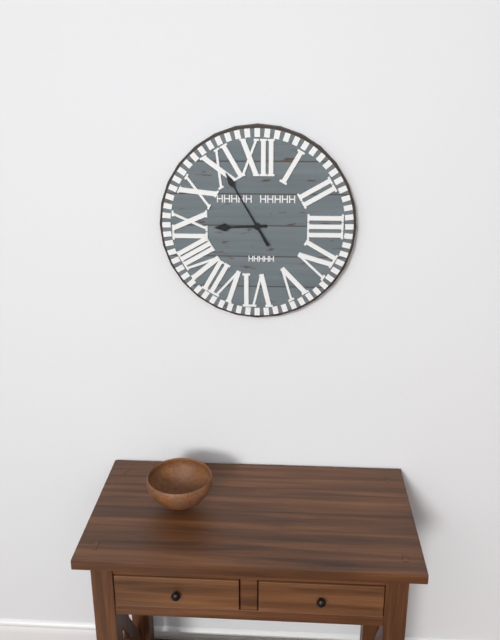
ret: {"hour": 8, "minute": 55}
